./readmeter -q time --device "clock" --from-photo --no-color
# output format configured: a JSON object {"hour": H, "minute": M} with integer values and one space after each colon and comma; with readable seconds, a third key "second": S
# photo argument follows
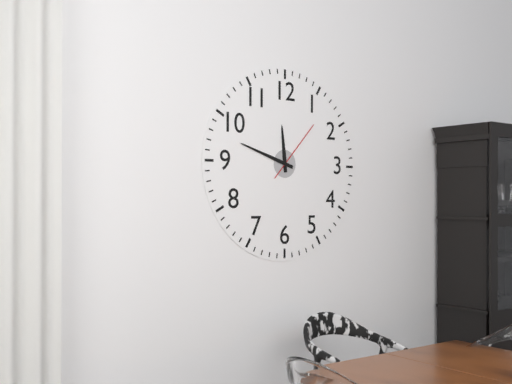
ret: {"hour": 11, "minute": 48, "second": 7}
